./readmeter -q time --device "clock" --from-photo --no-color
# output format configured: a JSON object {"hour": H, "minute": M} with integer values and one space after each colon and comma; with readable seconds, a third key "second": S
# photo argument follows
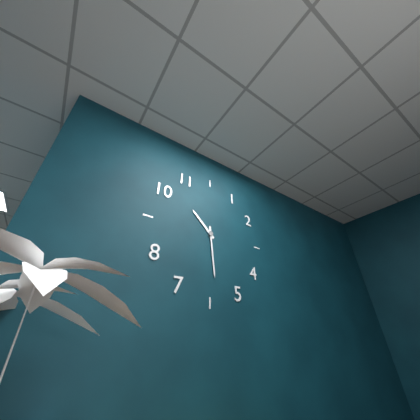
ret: {"hour": 10, "minute": 29}
